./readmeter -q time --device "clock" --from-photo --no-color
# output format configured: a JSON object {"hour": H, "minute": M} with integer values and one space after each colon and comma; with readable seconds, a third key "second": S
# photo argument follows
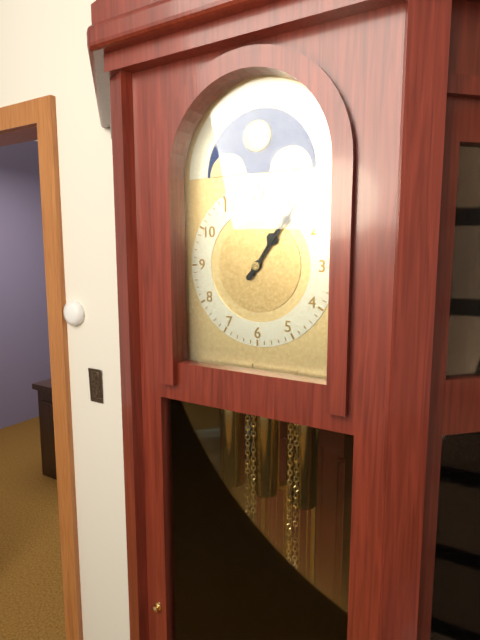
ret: {"hour": 1, "minute": 6}
